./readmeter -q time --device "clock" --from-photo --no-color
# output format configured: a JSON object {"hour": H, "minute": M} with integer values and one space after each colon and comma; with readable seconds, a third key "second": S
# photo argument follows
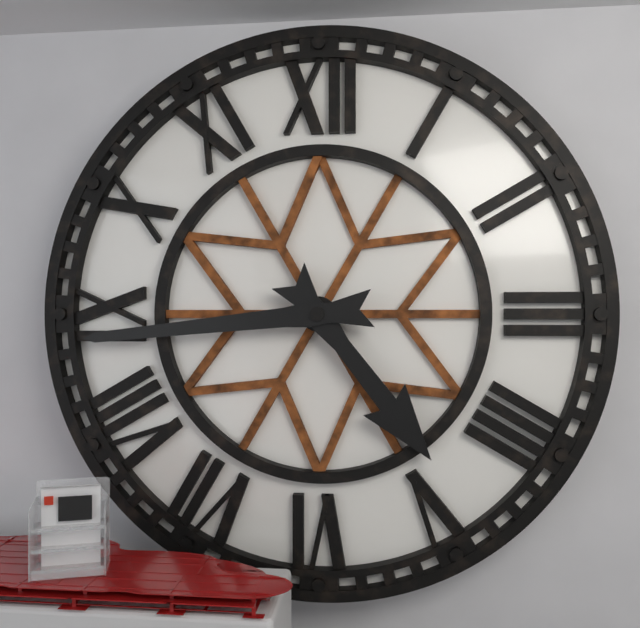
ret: {"hour": 4, "minute": 44}
